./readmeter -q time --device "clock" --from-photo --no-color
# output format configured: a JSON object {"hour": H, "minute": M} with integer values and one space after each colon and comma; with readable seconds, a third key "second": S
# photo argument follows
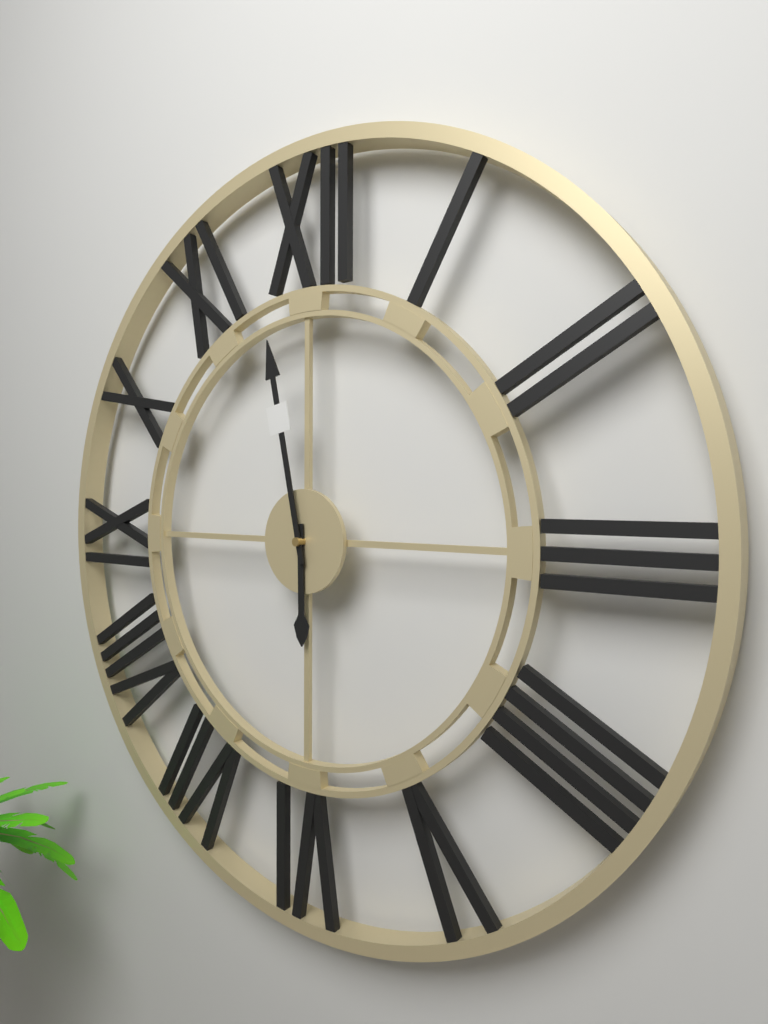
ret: {"hour": 5, "minute": 58}
